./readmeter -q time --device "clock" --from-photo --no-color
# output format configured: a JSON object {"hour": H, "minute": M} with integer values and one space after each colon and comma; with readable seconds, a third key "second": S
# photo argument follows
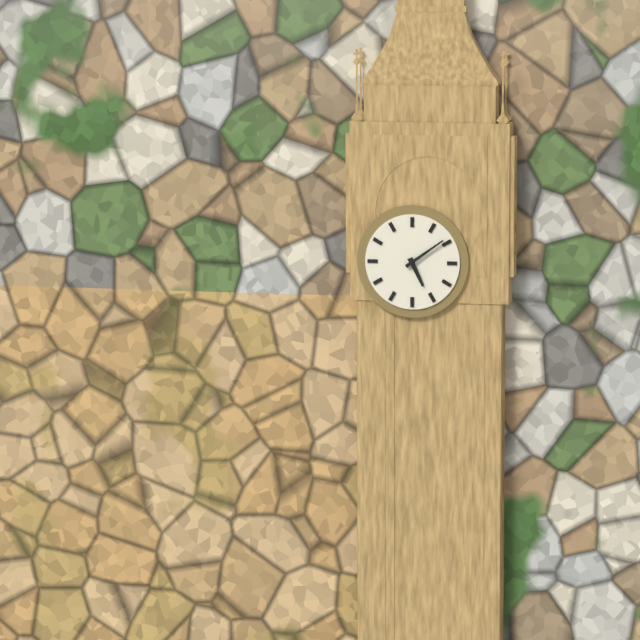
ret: {"hour": 5, "minute": 9}
